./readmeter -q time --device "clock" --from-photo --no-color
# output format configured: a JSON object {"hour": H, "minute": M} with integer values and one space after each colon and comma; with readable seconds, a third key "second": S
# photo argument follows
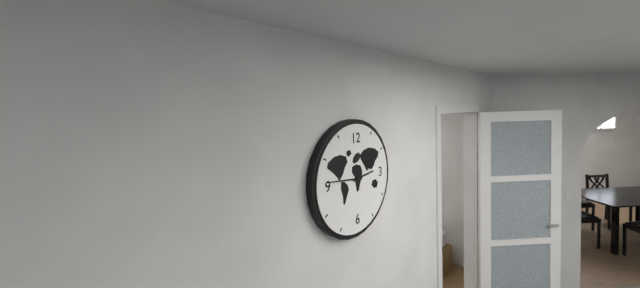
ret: {"hour": 2, "minute": 46}
